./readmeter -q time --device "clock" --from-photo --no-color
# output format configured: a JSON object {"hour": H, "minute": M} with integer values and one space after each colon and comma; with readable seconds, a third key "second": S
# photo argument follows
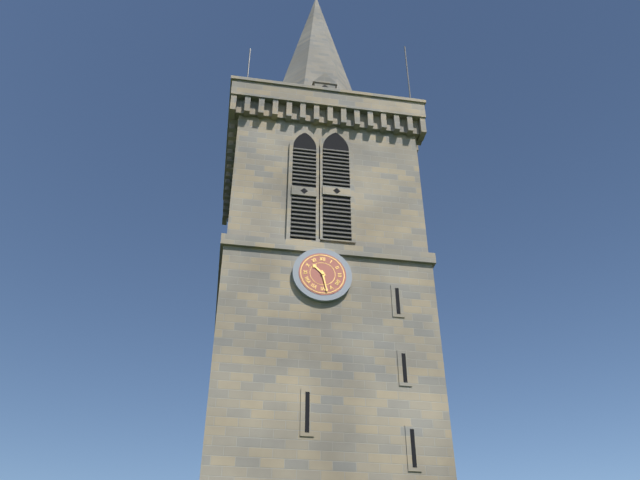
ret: {"hour": 10, "minute": 28}
